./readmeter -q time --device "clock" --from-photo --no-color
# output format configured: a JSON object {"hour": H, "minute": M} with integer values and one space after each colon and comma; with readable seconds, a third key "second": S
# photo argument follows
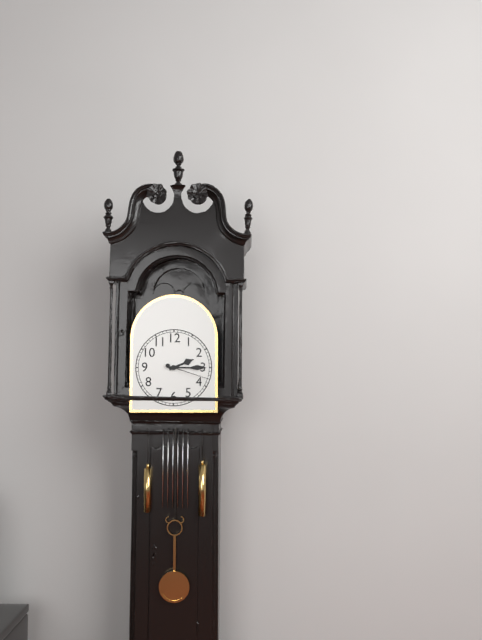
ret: {"hour": 2, "minute": 15}
